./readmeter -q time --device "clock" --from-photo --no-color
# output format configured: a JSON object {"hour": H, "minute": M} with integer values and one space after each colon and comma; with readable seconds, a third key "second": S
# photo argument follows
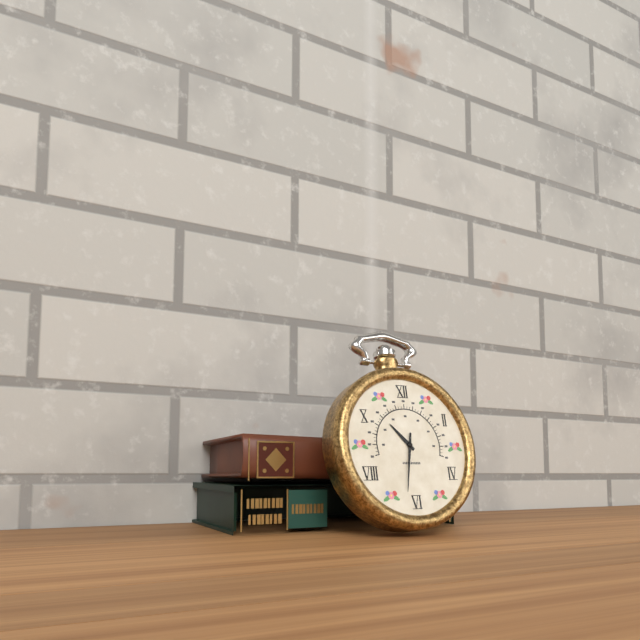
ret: {"hour": 10, "minute": 32}
